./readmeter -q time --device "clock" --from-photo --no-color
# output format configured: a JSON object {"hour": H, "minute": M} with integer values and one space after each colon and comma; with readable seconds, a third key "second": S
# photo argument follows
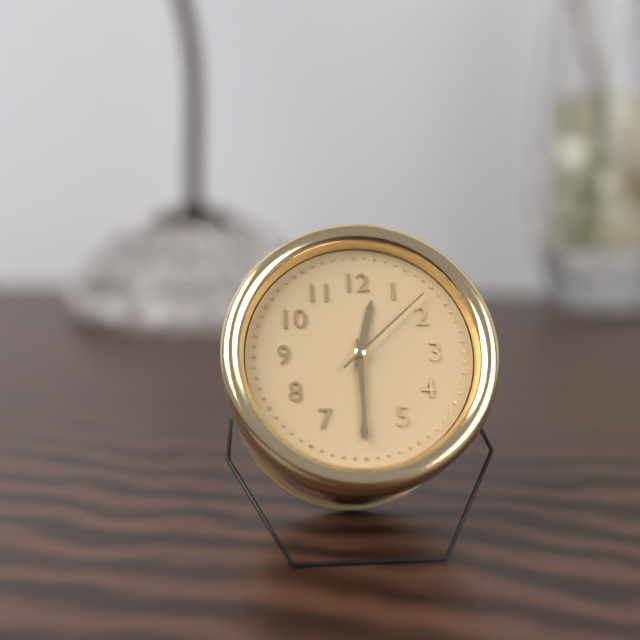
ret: {"hour": 12, "minute": 30, "second": 8}
